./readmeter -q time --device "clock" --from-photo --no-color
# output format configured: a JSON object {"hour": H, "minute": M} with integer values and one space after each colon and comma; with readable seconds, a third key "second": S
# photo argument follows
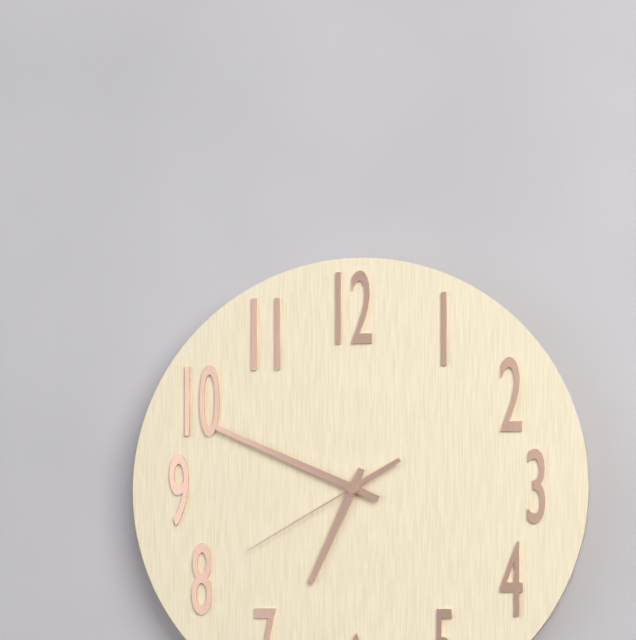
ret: {"hour": 6, "minute": 49, "second": 40}
